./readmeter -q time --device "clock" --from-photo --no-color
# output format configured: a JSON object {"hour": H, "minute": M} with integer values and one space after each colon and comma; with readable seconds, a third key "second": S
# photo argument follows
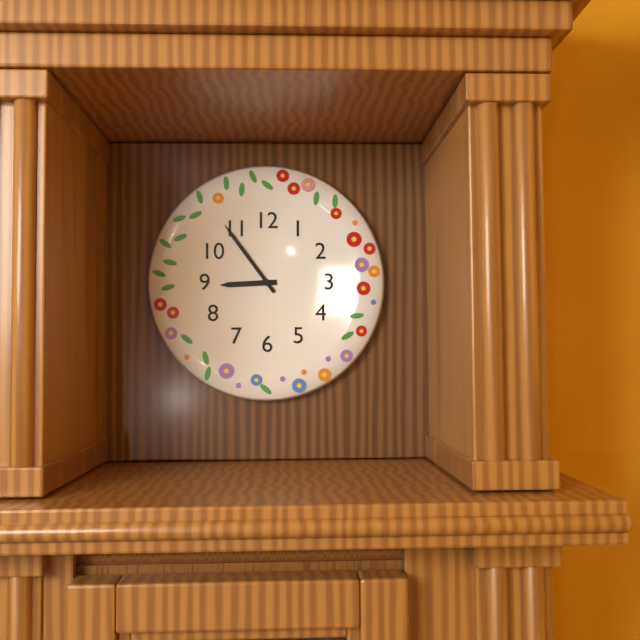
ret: {"hour": 8, "minute": 54}
